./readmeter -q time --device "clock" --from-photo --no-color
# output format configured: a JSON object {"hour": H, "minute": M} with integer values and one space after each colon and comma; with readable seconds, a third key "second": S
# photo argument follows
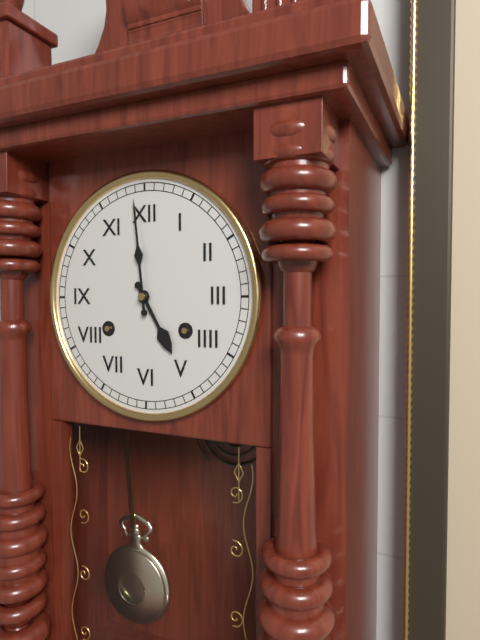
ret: {"hour": 4, "minute": 59}
